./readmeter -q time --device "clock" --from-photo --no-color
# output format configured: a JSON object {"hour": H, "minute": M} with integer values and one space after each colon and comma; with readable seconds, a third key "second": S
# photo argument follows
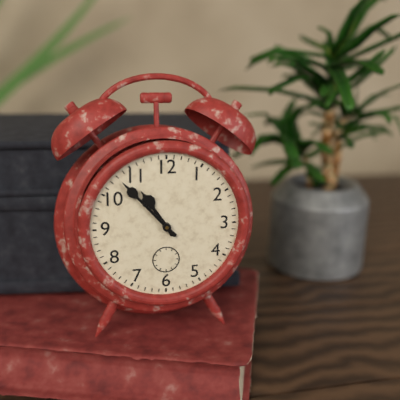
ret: {"hour": 10, "minute": 53}
